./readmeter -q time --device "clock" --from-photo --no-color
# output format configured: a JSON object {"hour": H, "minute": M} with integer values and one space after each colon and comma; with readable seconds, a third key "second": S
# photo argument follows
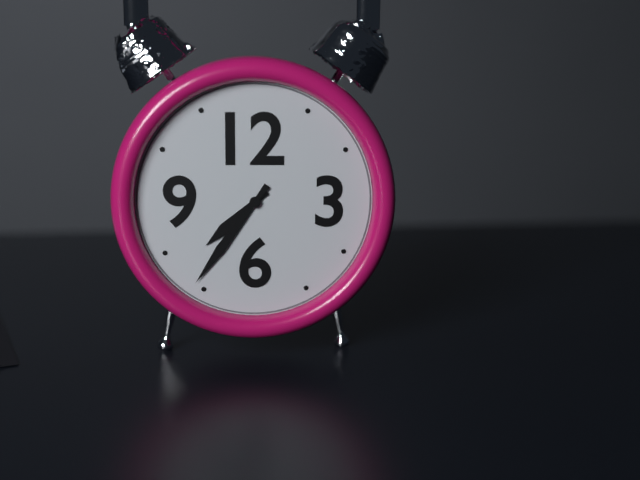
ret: {"hour": 7, "minute": 36}
